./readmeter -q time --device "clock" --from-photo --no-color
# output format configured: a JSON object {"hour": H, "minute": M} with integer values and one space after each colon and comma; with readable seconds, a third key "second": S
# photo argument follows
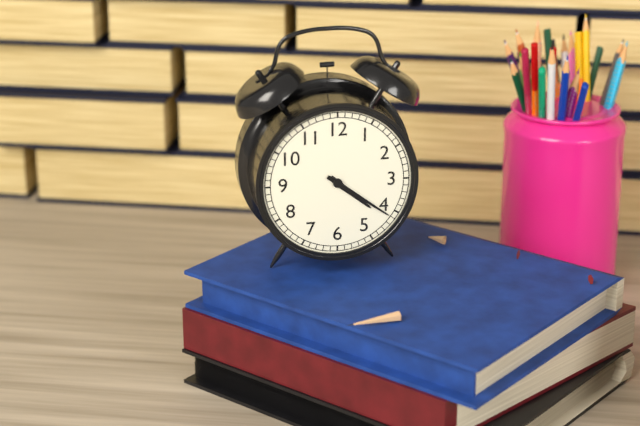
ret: {"hour": 4, "minute": 21}
